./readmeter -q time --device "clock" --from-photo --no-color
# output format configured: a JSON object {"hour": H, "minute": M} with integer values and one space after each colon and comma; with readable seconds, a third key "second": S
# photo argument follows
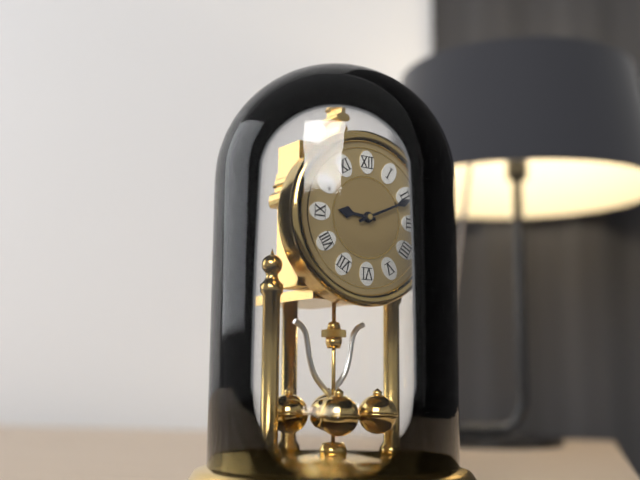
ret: {"hour": 9, "minute": 11}
